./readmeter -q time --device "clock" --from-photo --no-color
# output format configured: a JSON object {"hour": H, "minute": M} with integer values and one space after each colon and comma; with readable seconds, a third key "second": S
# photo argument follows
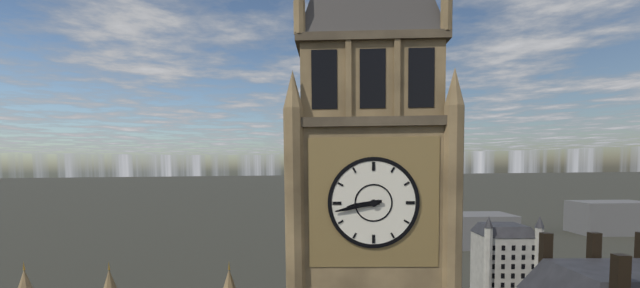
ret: {"hour": 8, "minute": 43}
